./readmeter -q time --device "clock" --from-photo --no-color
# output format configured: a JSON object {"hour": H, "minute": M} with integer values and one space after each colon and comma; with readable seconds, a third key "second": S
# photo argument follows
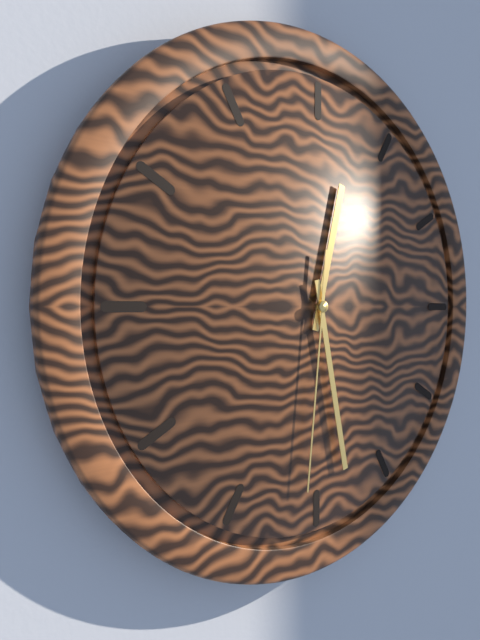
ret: {"hour": 12, "minute": 28, "second": 31}
